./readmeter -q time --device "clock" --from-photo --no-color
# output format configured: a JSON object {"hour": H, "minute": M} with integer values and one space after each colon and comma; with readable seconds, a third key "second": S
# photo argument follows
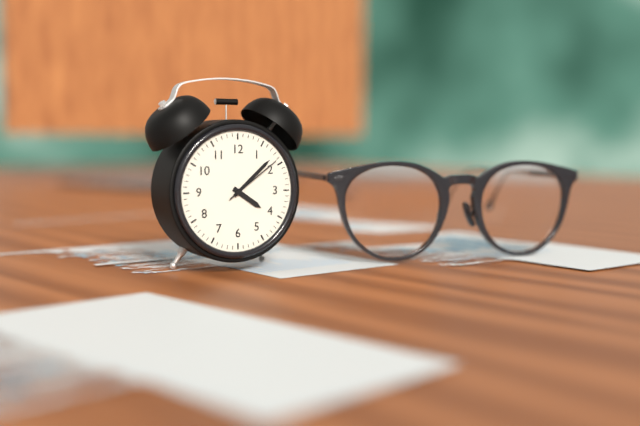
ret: {"hour": 4, "minute": 8, "second": 9}
